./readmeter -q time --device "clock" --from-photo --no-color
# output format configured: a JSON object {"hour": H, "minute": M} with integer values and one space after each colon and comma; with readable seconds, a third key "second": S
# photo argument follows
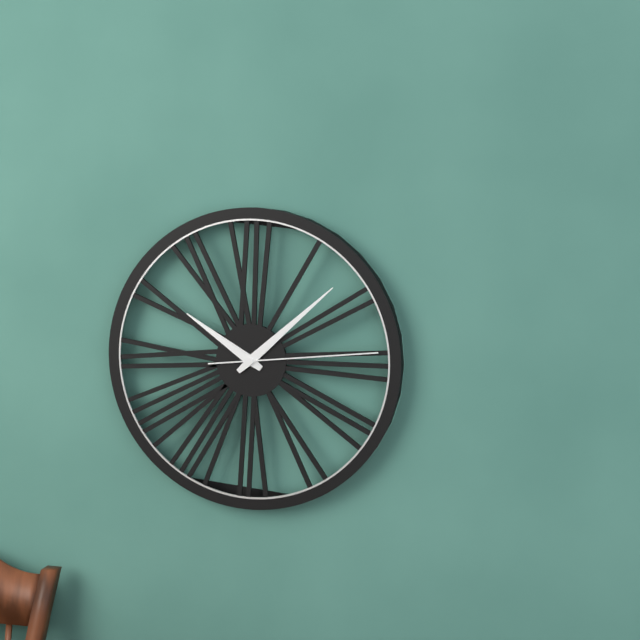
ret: {"hour": 10, "minute": 8, "second": 14}
